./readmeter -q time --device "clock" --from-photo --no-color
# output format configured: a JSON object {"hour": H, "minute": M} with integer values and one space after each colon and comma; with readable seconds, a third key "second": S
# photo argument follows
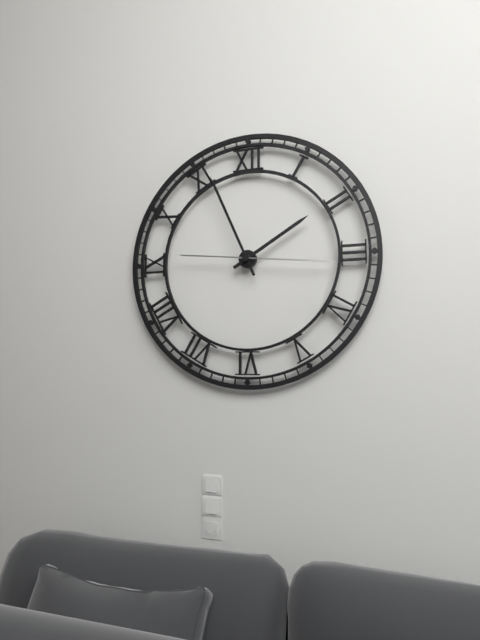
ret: {"hour": 1, "minute": 56, "second": 16}
